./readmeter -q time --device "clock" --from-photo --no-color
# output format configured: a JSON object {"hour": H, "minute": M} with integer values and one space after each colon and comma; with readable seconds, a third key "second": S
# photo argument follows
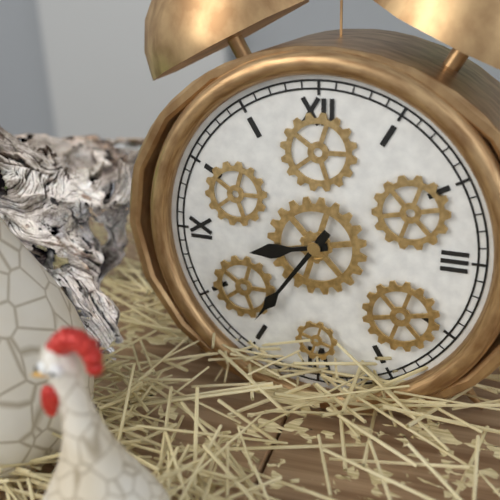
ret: {"hour": 8, "minute": 36}
